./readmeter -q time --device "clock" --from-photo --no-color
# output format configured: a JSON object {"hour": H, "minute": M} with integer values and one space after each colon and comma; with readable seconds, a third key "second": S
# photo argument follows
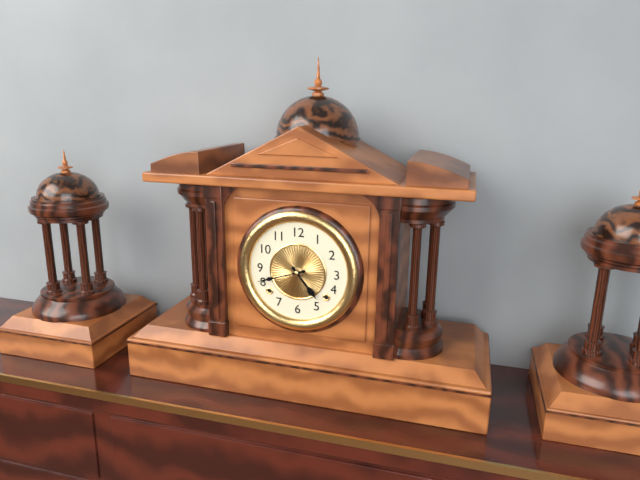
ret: {"hour": 4, "minute": 42}
